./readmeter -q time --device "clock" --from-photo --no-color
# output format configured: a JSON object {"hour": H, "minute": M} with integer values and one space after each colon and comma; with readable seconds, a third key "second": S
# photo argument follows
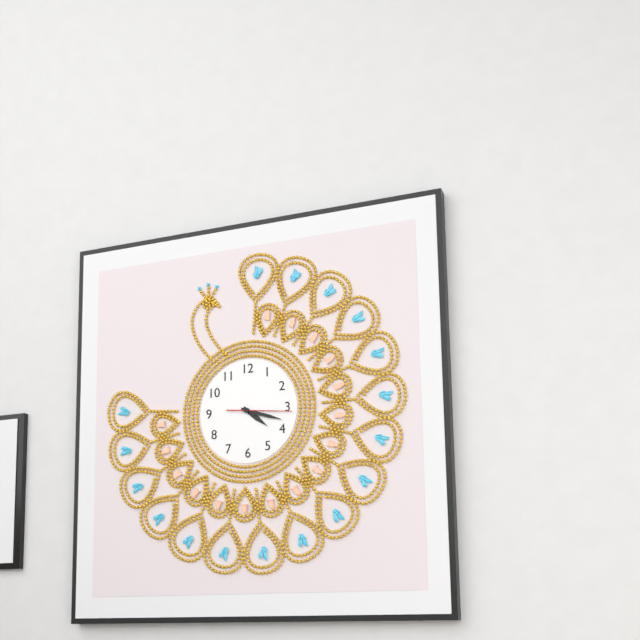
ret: {"hour": 4, "minute": 18, "second": 16}
